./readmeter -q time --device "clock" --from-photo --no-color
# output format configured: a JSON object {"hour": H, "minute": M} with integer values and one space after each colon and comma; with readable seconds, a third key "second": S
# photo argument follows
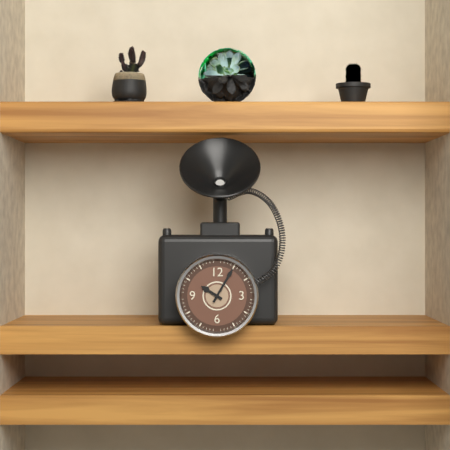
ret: {"hour": 10, "minute": 5}
